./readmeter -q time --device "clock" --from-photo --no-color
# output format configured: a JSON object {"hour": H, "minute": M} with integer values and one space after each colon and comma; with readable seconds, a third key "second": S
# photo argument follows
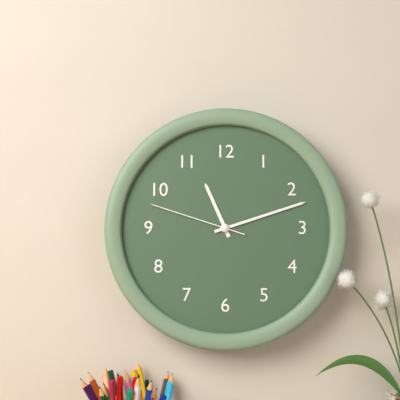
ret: {"hour": 11, "minute": 12, "second": 48}
